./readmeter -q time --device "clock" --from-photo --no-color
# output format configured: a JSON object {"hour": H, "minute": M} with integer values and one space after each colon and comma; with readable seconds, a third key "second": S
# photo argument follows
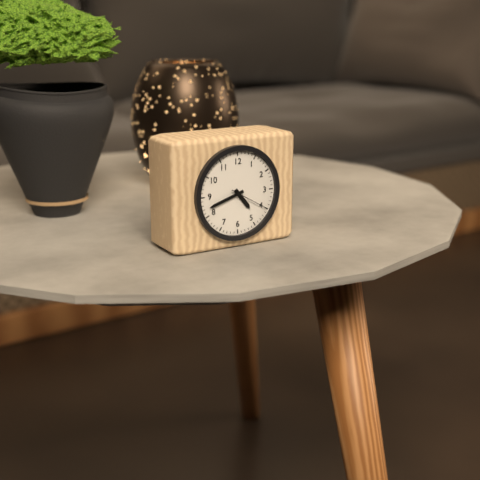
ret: {"hour": 4, "minute": 42}
